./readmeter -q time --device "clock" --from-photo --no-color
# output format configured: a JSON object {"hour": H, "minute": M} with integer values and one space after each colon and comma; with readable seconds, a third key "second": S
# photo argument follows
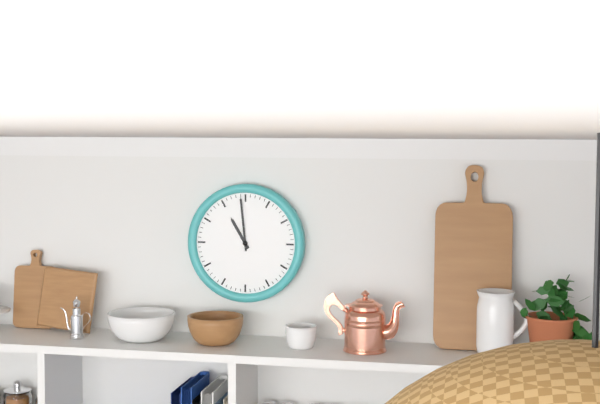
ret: {"hour": 10, "minute": 59}
